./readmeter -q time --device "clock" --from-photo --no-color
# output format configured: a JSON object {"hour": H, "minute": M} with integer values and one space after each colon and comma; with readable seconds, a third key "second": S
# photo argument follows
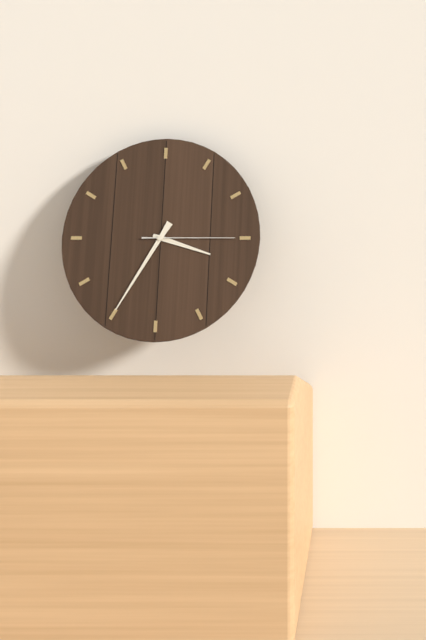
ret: {"hour": 3, "minute": 35, "second": 15}
